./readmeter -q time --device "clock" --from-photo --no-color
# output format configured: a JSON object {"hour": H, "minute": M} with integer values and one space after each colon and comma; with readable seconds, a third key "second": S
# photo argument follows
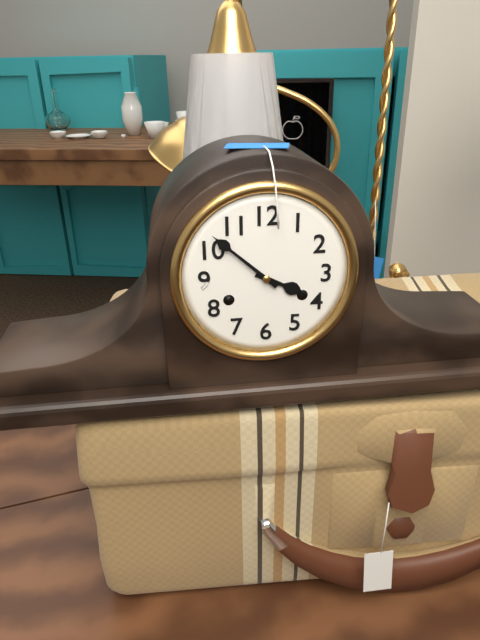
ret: {"hour": 3, "minute": 52}
